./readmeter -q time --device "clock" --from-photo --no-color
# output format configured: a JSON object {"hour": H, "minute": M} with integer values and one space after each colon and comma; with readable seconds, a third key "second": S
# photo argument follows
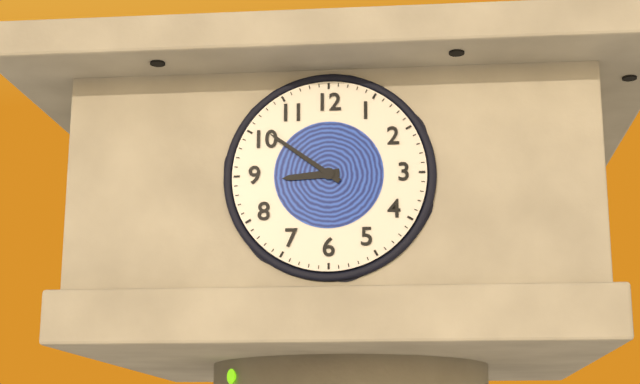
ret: {"hour": 8, "minute": 51}
